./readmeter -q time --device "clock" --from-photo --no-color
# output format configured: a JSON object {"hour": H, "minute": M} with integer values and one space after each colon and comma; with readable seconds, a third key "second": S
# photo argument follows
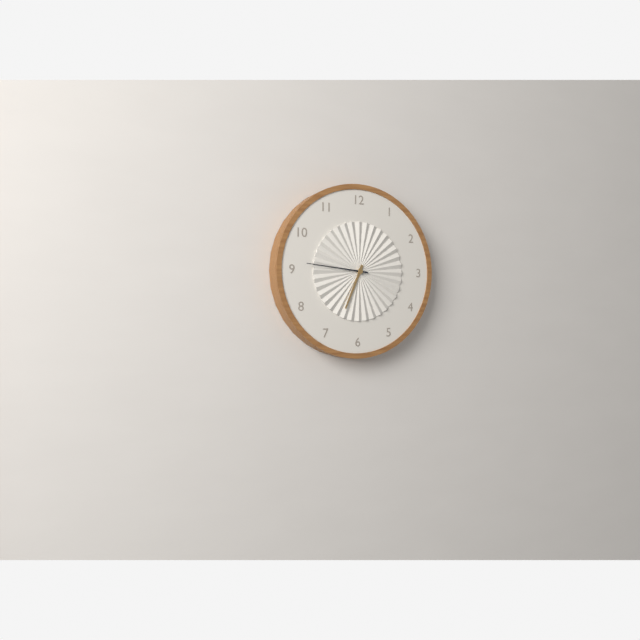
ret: {"hour": 6, "minute": 46}
